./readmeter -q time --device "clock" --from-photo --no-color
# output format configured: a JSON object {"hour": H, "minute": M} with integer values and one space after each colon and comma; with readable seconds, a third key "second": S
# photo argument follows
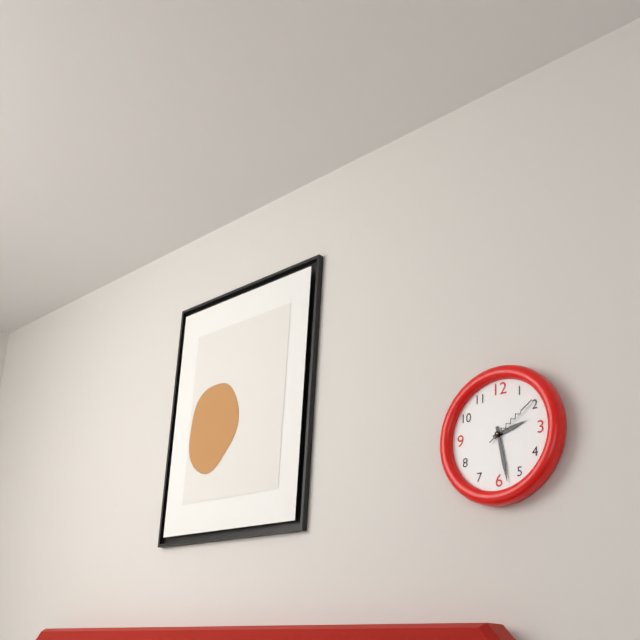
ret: {"hour": 2, "minute": 28, "second": 9}
